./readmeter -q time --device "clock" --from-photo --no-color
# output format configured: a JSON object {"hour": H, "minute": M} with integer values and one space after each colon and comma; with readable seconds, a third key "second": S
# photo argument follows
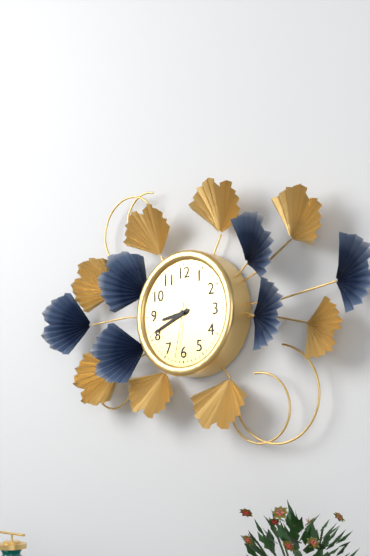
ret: {"hour": 8, "minute": 41, "second": 32}
